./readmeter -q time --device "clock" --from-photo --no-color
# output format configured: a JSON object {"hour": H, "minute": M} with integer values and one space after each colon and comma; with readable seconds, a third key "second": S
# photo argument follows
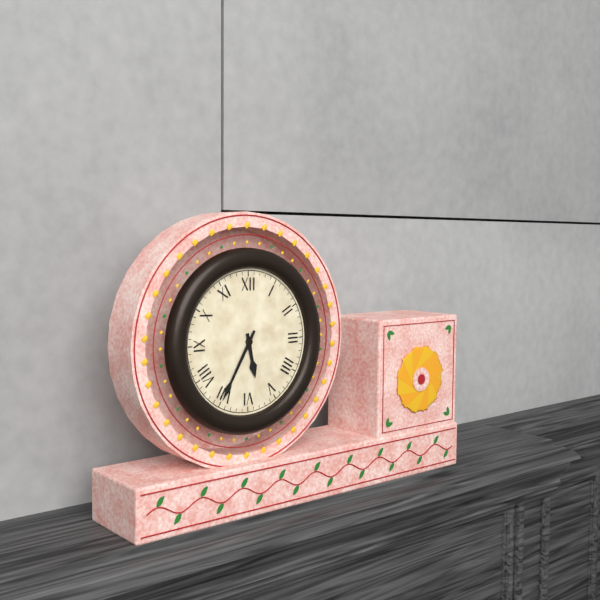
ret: {"hour": 5, "minute": 35}
